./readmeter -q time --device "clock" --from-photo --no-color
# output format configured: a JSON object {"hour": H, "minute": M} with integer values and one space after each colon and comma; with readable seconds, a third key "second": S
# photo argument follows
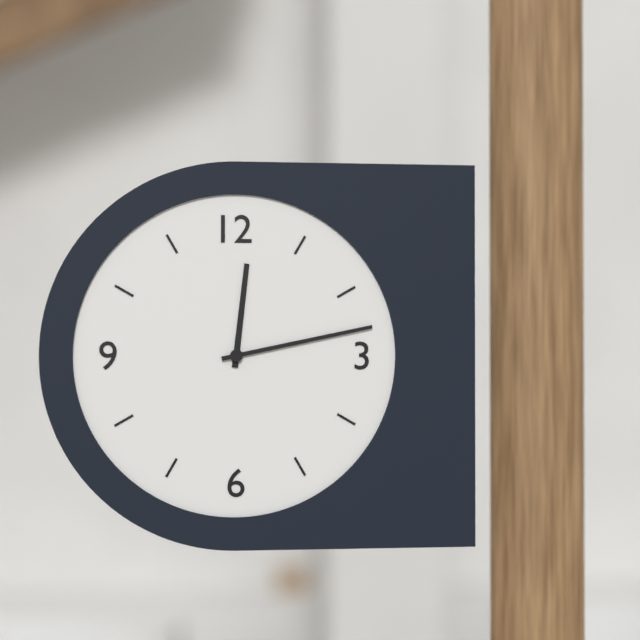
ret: {"hour": 12, "minute": 13}
